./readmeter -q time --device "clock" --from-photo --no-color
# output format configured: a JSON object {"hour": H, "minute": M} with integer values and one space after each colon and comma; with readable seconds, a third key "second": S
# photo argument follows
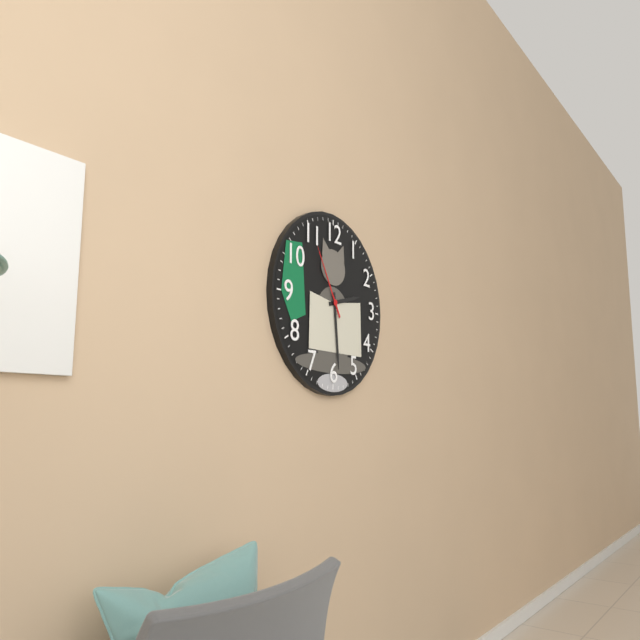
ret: {"hour": 2, "minute": 29, "second": 55}
